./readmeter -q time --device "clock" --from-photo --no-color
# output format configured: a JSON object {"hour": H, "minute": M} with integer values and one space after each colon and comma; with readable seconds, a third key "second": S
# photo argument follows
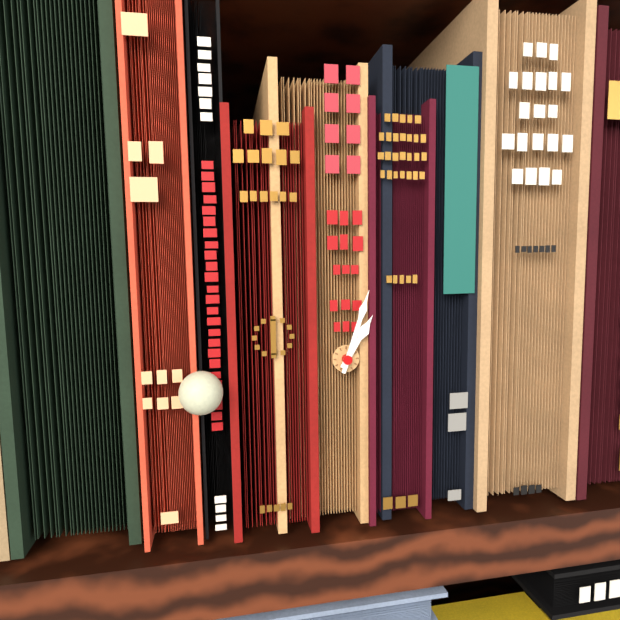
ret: {"hour": 1, "minute": 3}
